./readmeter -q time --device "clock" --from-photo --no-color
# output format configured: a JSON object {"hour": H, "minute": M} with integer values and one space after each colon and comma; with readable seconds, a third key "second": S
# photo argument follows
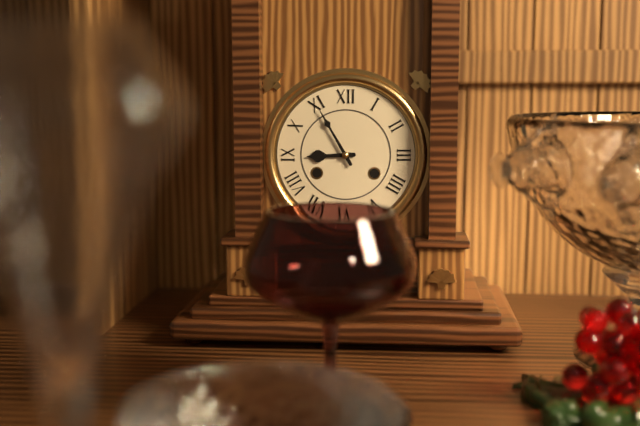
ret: {"hour": 8, "minute": 55}
